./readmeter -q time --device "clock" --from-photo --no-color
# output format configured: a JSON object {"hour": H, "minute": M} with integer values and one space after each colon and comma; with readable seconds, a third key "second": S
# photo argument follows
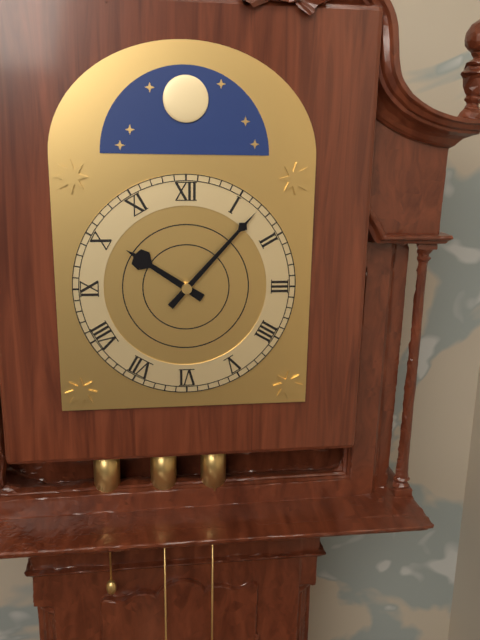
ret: {"hour": 10, "minute": 7}
